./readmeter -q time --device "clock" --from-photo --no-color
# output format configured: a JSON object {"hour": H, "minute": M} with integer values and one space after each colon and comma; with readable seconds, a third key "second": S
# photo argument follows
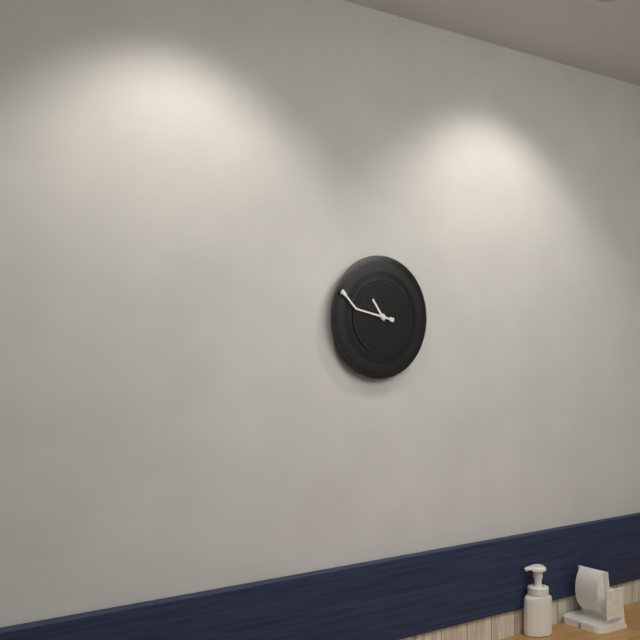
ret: {"hour": 10, "minute": 47}
